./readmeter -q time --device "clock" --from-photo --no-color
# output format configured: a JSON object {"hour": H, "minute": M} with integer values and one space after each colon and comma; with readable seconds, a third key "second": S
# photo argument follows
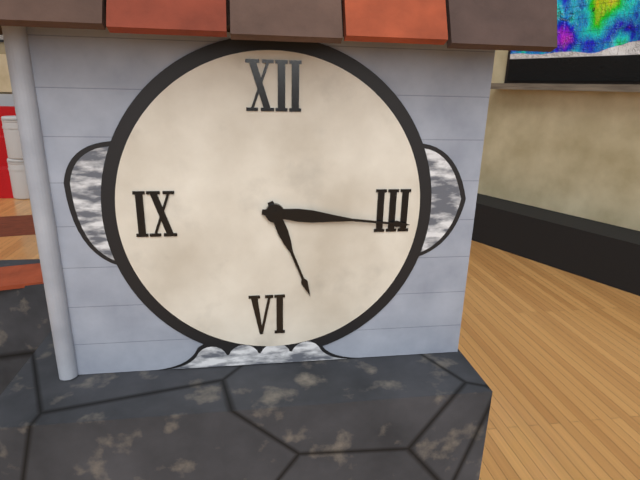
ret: {"hour": 5, "minute": 16}
